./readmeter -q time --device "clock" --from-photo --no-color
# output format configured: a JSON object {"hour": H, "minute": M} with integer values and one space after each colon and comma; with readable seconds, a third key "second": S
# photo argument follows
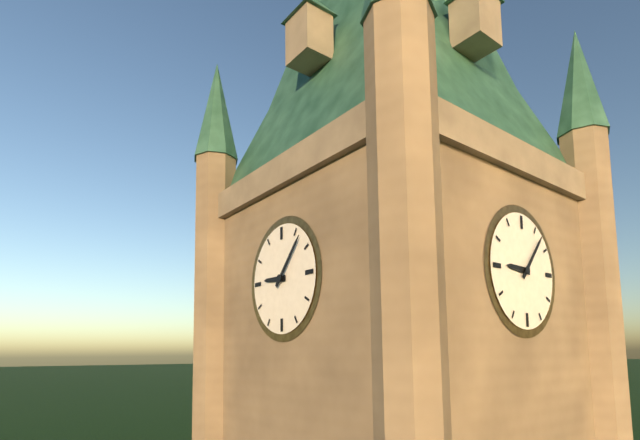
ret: {"hour": 9, "minute": 7}
